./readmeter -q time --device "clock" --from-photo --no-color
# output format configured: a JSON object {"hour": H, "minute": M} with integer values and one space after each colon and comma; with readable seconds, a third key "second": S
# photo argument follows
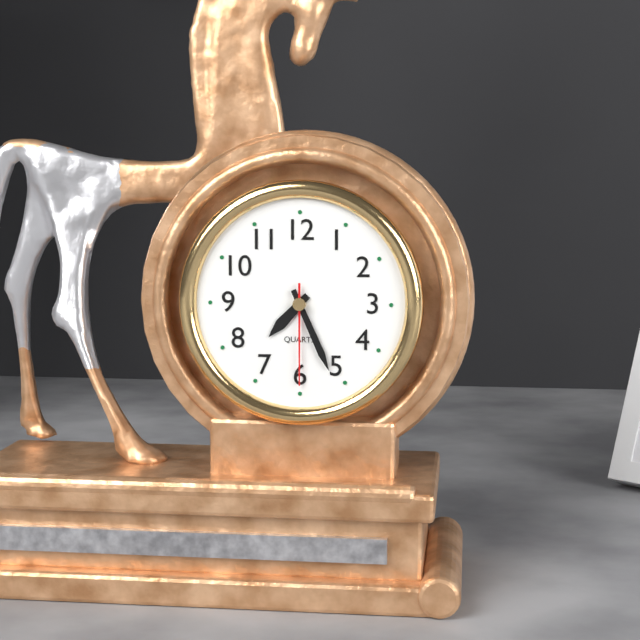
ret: {"hour": 7, "minute": 26, "second": 30}
